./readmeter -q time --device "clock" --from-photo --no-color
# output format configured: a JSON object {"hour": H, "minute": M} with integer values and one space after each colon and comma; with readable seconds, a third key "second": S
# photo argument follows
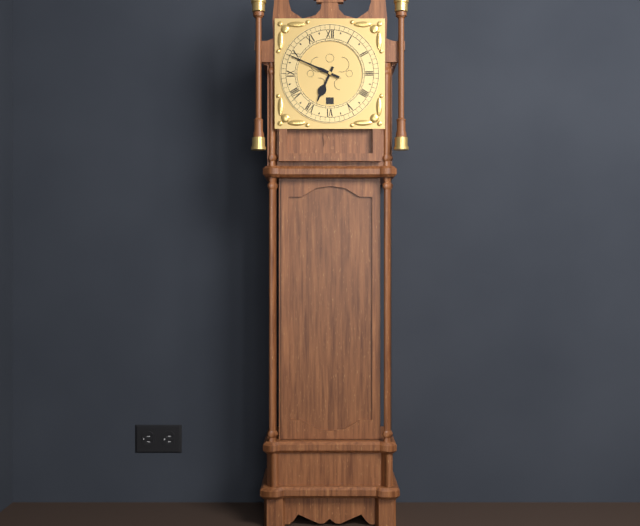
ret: {"hour": 6, "minute": 49}
